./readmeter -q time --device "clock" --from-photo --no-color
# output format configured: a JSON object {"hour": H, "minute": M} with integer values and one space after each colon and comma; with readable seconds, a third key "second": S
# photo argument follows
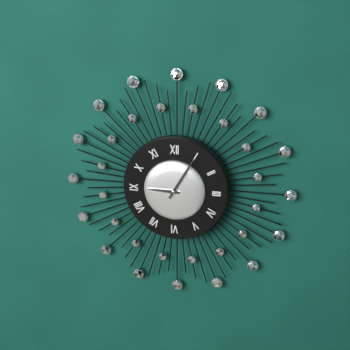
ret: {"hour": 9, "minute": 5}
